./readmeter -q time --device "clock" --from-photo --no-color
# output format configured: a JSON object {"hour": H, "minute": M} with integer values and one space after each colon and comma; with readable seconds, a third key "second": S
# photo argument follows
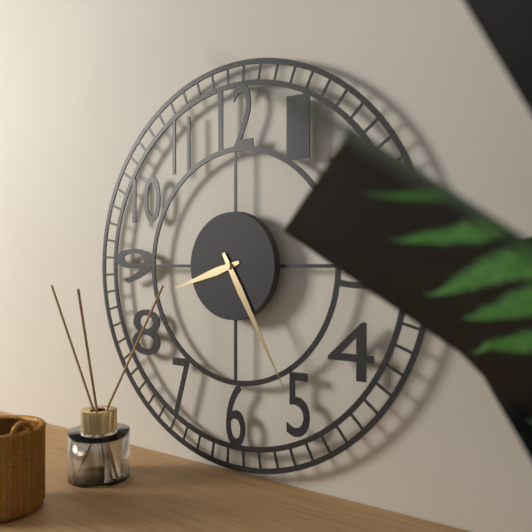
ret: {"hour": 8, "minute": 25}
